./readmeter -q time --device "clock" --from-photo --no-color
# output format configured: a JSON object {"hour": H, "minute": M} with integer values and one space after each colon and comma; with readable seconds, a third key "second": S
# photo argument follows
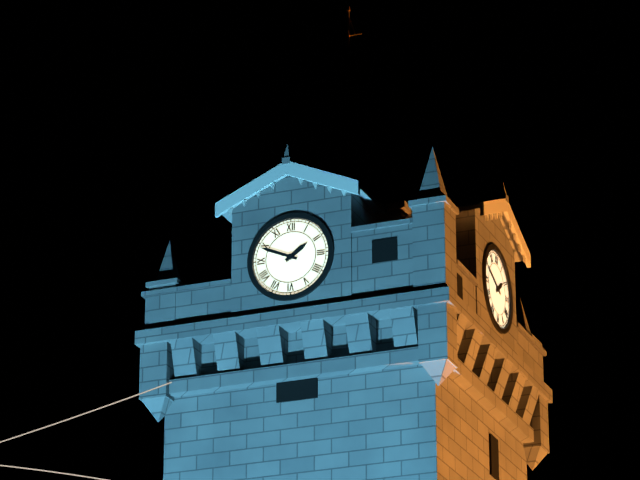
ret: {"hour": 1, "minute": 49}
